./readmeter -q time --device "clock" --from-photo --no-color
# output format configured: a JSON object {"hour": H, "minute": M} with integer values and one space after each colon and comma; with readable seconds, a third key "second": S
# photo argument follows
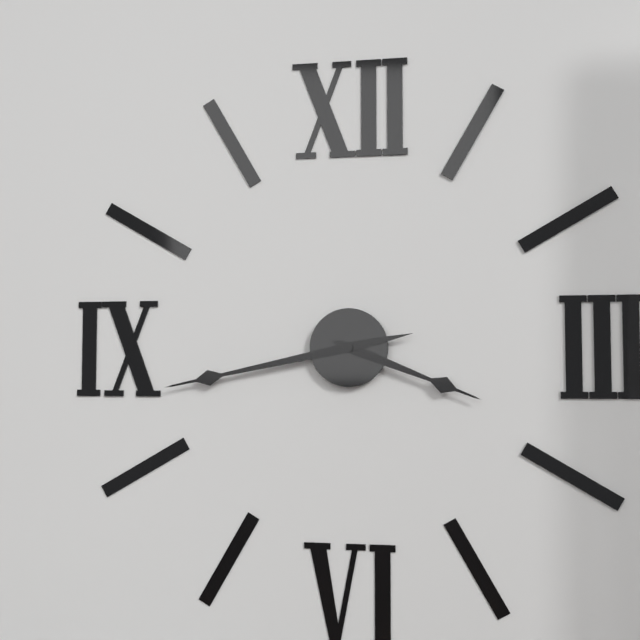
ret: {"hour": 3, "minute": 43}
